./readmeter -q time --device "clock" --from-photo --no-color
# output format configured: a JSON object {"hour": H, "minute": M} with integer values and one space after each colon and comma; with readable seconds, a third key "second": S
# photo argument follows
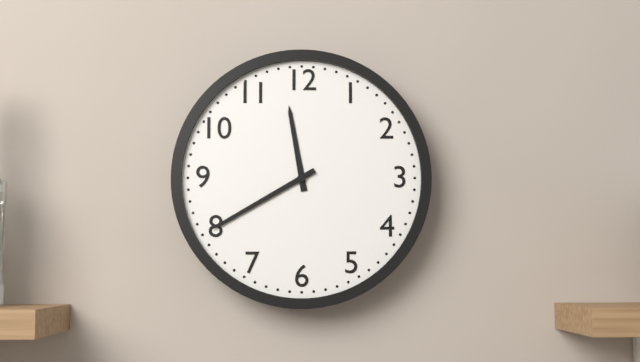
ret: {"hour": 11, "minute": 40}
